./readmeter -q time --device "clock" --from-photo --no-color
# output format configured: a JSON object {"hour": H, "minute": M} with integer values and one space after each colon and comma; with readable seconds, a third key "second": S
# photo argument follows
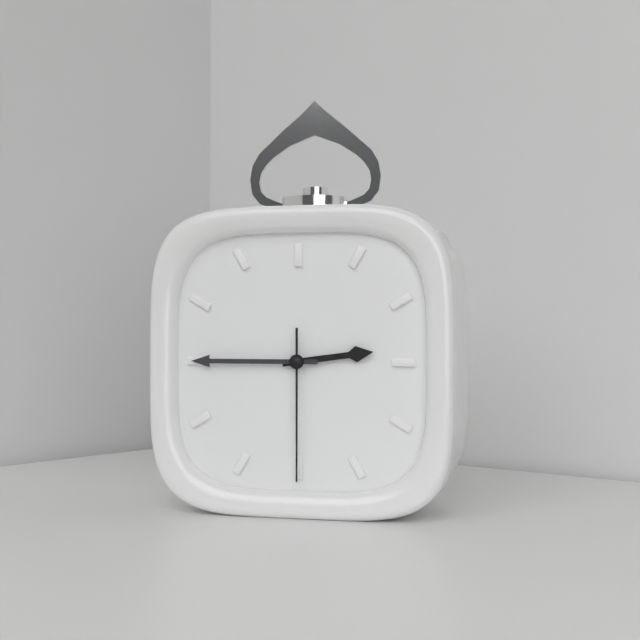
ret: {"hour": 2, "minute": 45, "second": 30}
